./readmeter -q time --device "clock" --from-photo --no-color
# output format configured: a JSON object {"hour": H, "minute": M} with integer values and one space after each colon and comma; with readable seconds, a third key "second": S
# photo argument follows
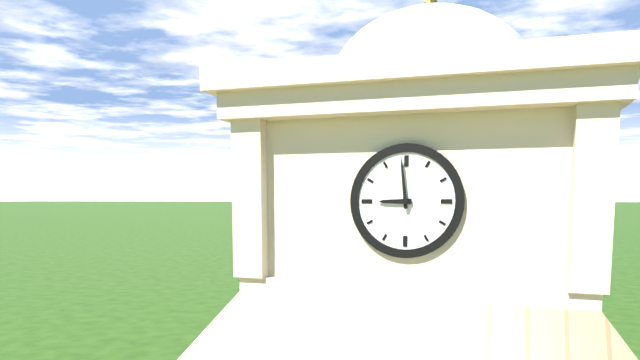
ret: {"hour": 8, "minute": 59}
